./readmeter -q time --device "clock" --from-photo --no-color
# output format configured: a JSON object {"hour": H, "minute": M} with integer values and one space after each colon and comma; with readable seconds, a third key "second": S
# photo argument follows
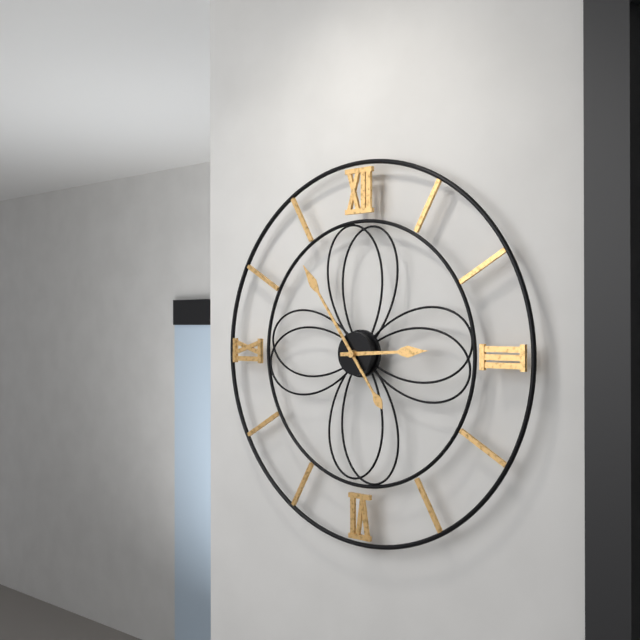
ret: {"hour": 2, "minute": 54}
